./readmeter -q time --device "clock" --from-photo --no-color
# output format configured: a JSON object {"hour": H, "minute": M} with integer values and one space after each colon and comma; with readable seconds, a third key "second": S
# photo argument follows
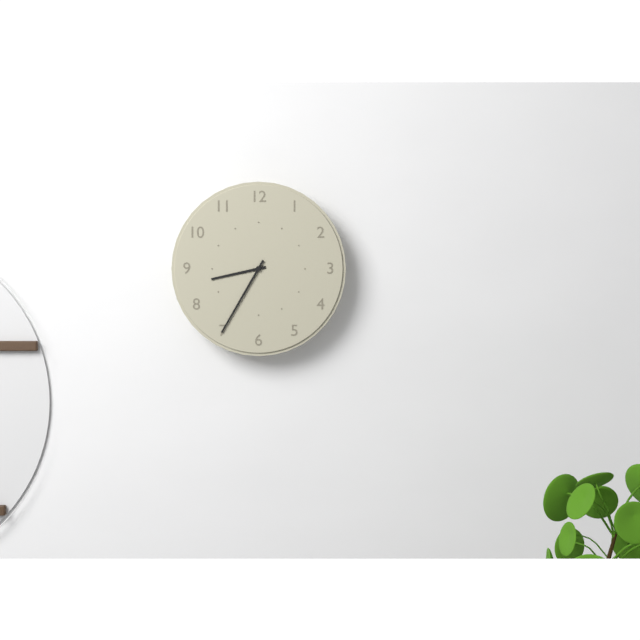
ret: {"hour": 8, "minute": 35}
